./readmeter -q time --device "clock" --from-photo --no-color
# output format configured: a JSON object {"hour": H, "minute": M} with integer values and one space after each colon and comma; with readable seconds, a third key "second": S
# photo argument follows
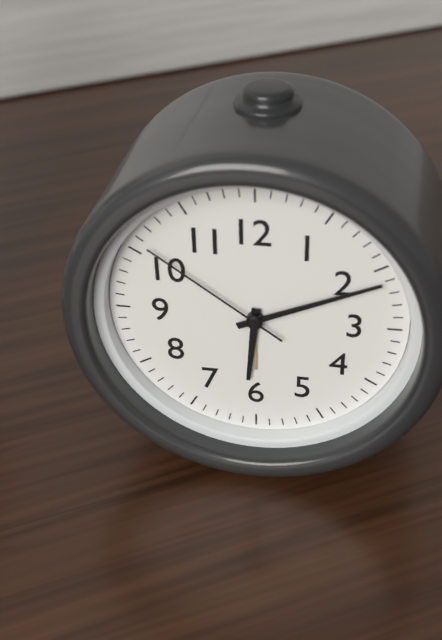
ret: {"hour": 6, "minute": 11, "second": 51}
